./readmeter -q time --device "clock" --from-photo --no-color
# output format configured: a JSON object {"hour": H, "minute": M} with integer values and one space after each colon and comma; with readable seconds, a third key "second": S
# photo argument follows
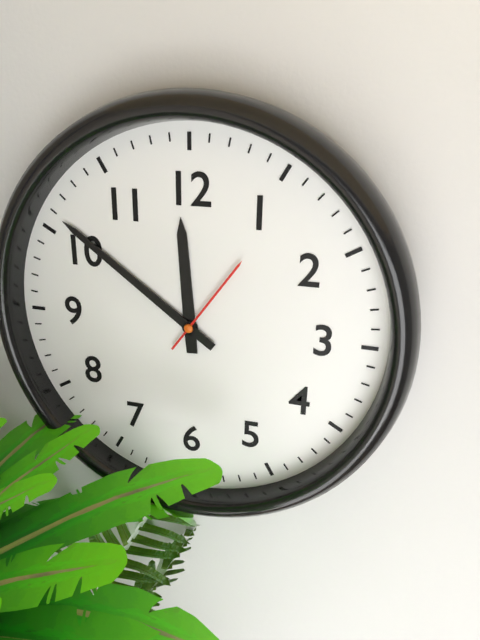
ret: {"hour": 11, "minute": 51, "second": 6}
